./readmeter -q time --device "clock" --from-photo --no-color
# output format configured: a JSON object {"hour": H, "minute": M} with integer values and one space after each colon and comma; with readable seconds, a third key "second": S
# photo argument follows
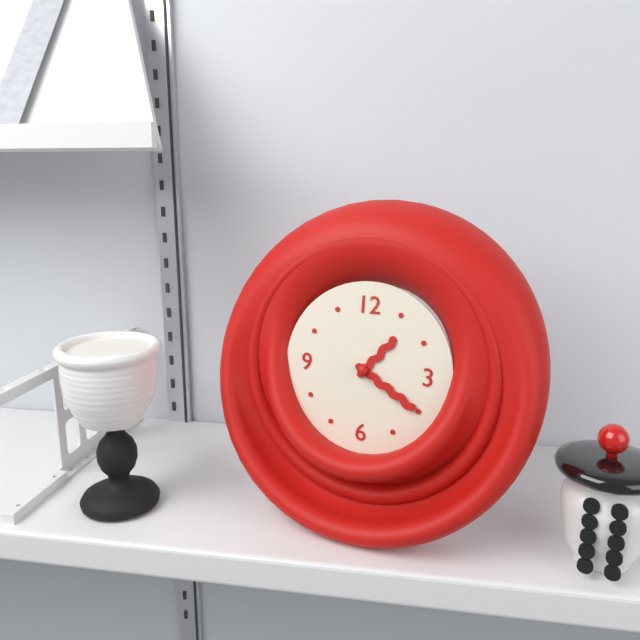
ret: {"hour": 1, "minute": 20}
